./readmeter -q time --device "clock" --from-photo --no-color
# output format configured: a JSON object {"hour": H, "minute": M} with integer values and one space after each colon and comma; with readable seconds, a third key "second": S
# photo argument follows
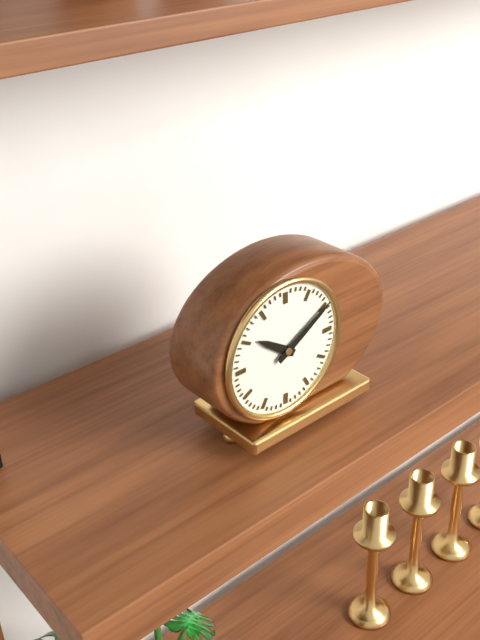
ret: {"hour": 10, "minute": 10}
